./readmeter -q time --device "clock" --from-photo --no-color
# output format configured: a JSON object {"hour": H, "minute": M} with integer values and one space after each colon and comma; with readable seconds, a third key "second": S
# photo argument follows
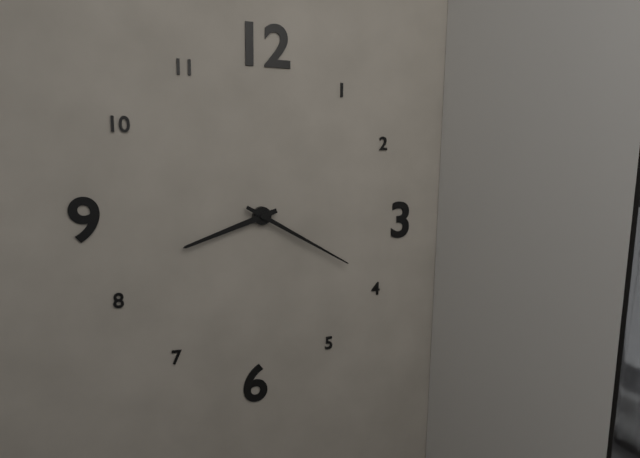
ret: {"hour": 8, "minute": 20}
